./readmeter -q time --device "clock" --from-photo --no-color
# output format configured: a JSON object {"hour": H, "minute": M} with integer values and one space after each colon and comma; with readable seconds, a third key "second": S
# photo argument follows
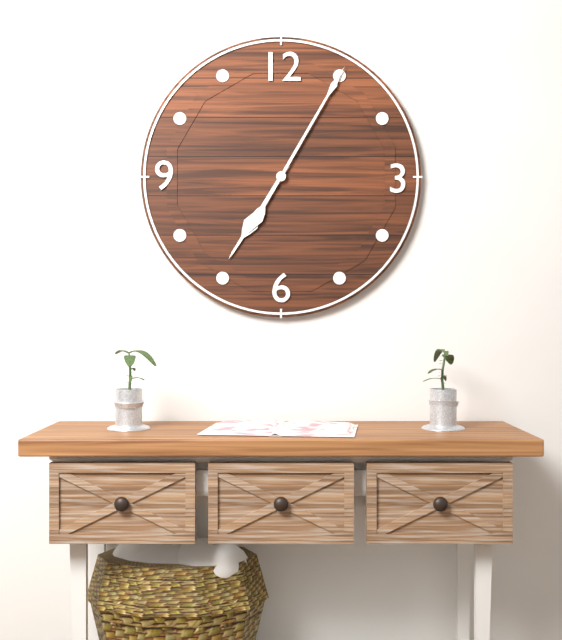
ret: {"hour": 7, "minute": 5}
